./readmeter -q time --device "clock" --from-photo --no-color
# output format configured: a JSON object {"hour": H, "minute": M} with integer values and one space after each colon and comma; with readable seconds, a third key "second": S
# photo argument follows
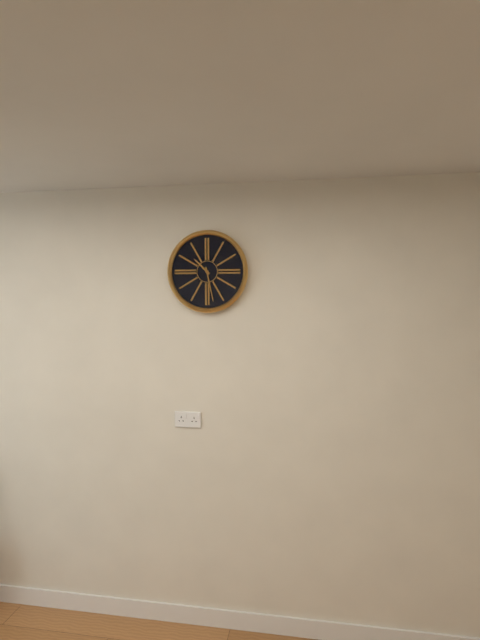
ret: {"hour": 10, "minute": 28}
